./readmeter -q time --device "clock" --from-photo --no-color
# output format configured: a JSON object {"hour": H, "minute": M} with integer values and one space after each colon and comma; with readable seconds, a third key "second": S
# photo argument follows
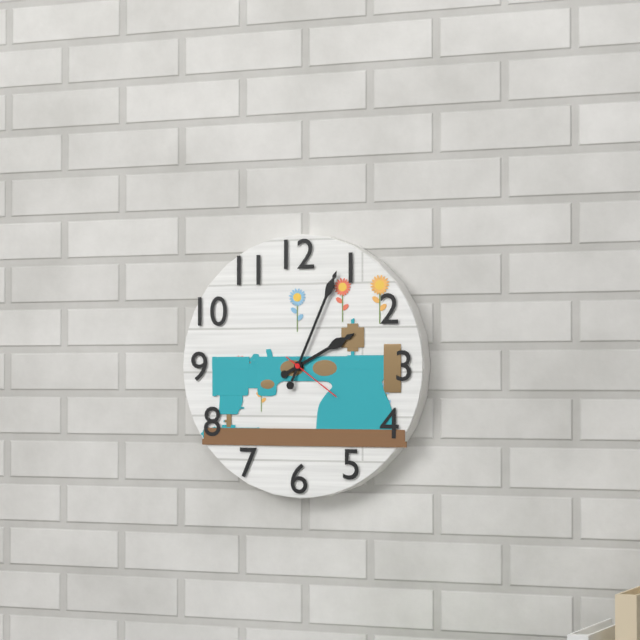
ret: {"hour": 2, "minute": 4, "second": 21}
